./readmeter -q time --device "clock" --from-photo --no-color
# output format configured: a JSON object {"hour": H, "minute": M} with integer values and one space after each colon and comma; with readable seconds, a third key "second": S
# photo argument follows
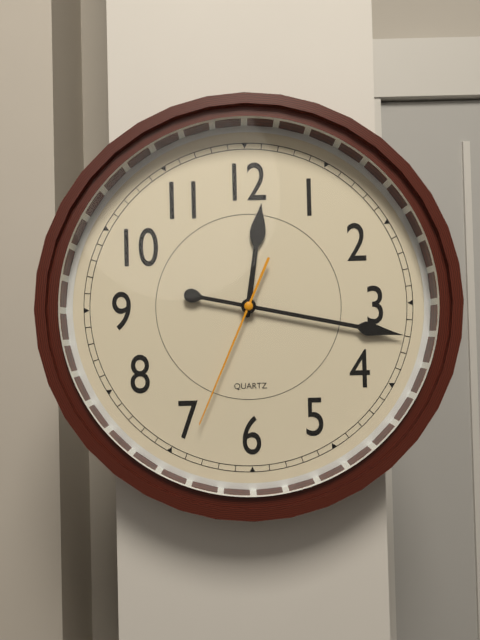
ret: {"hour": 12, "minute": 17, "second": 34}
